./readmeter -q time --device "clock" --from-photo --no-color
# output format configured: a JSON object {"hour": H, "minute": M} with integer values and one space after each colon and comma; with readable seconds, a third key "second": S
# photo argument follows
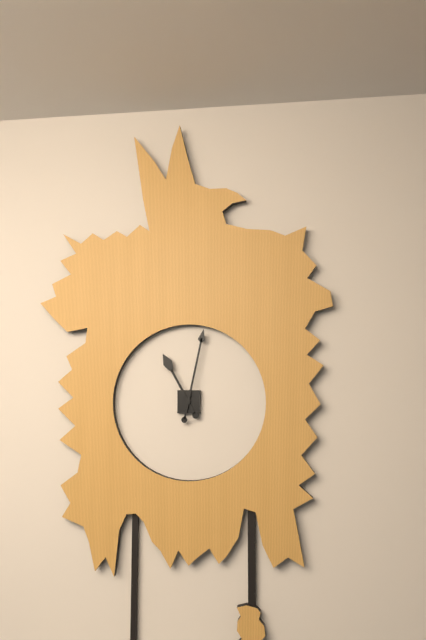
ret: {"hour": 11, "minute": 2}
